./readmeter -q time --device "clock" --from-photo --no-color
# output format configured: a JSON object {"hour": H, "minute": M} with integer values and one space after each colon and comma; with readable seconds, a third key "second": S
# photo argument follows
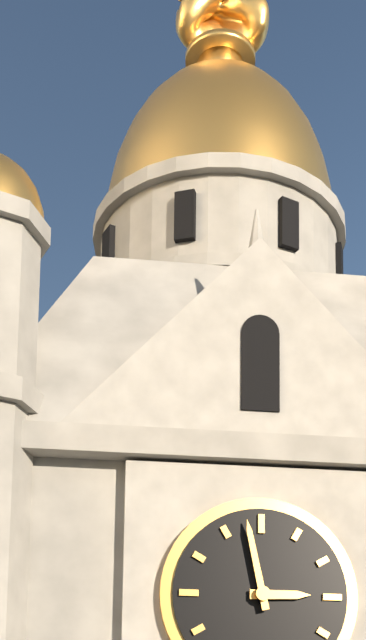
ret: {"hour": 2, "minute": 58}
